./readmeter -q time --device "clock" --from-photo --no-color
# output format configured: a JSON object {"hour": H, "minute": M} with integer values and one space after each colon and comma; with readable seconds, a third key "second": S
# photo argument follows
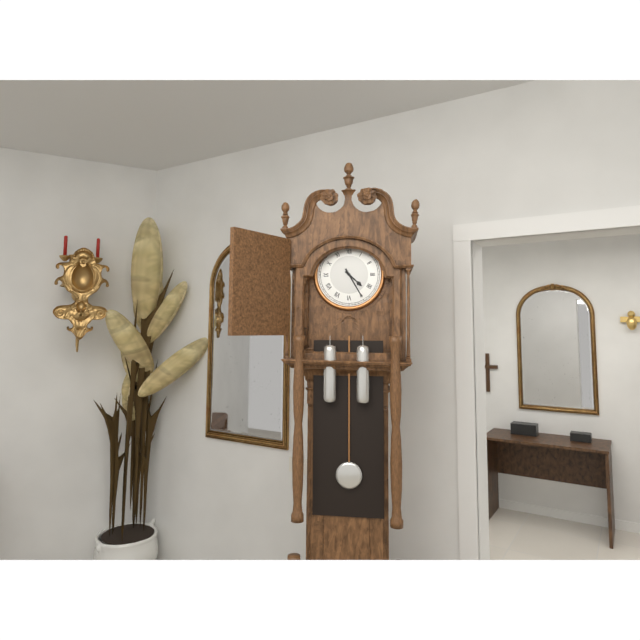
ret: {"hour": 4, "minute": 25}
